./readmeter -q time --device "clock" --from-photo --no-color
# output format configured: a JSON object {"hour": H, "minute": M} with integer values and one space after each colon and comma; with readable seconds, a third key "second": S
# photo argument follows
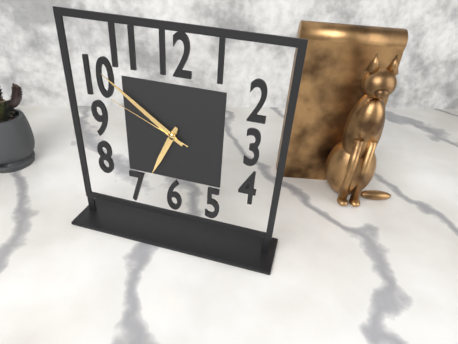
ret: {"hour": 6, "minute": 51, "second": 49}
